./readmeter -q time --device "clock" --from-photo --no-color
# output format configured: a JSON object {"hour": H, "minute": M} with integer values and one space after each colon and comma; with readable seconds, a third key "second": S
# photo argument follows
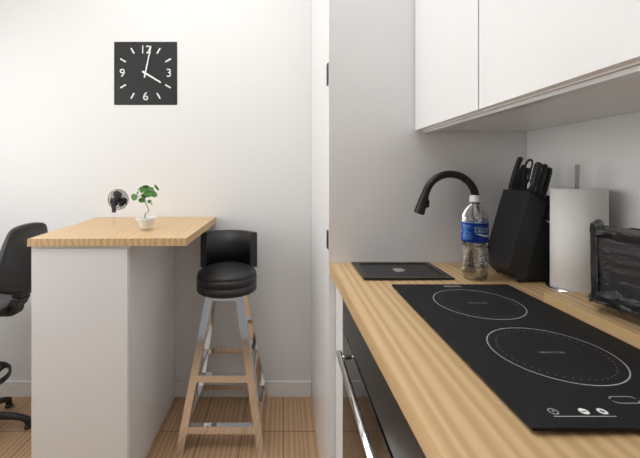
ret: {"hour": 4, "minute": 2}
